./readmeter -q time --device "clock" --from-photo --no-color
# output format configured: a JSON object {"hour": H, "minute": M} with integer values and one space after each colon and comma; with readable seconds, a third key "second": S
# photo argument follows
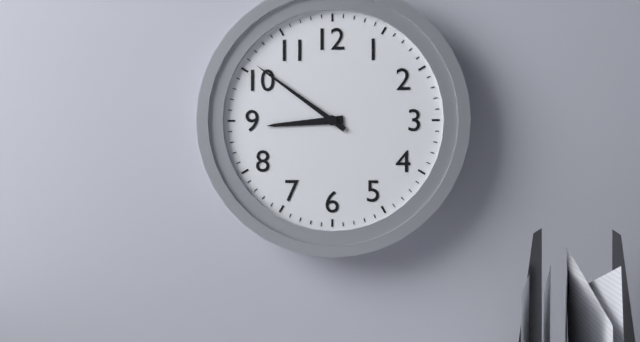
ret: {"hour": 8, "minute": 51}
